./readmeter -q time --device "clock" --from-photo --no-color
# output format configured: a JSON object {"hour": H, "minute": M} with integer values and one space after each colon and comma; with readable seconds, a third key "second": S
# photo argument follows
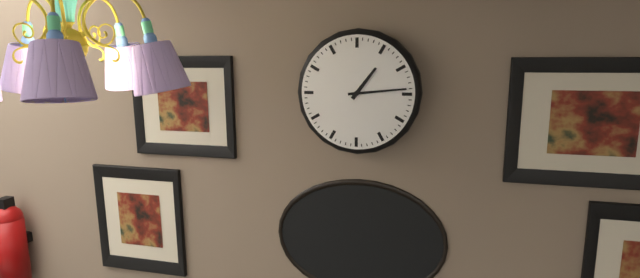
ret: {"hour": 1, "minute": 14}
